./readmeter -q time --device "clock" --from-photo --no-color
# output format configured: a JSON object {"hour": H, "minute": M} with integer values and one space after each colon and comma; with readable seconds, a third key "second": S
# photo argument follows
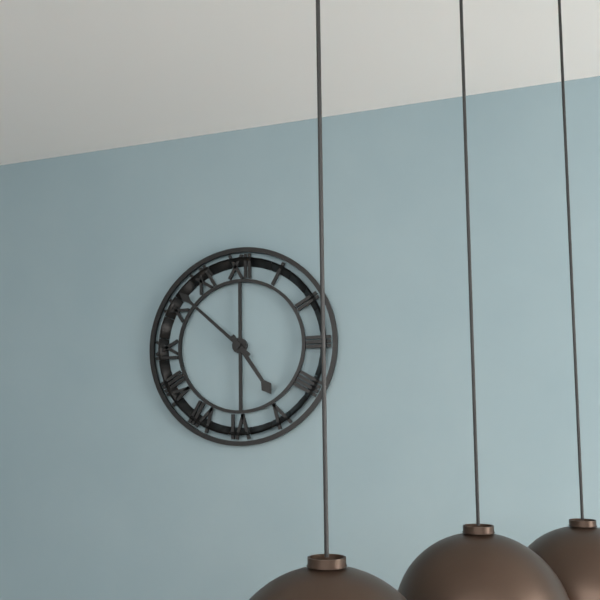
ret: {"hour": 4, "minute": 52}
